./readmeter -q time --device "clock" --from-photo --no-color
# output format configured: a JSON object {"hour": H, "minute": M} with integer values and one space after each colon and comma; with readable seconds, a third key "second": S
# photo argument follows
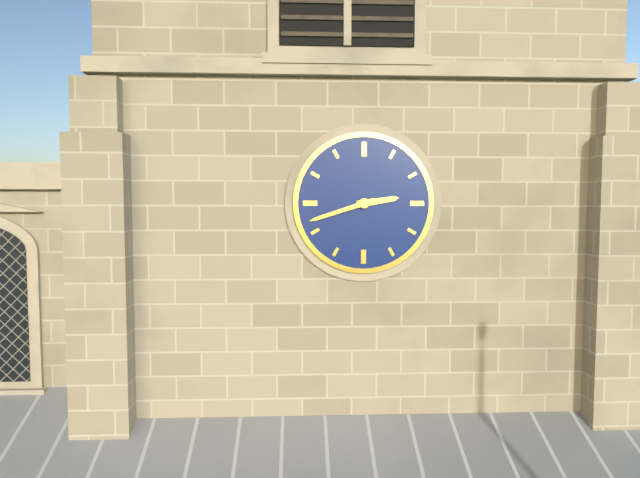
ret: {"hour": 2, "minute": 42}
